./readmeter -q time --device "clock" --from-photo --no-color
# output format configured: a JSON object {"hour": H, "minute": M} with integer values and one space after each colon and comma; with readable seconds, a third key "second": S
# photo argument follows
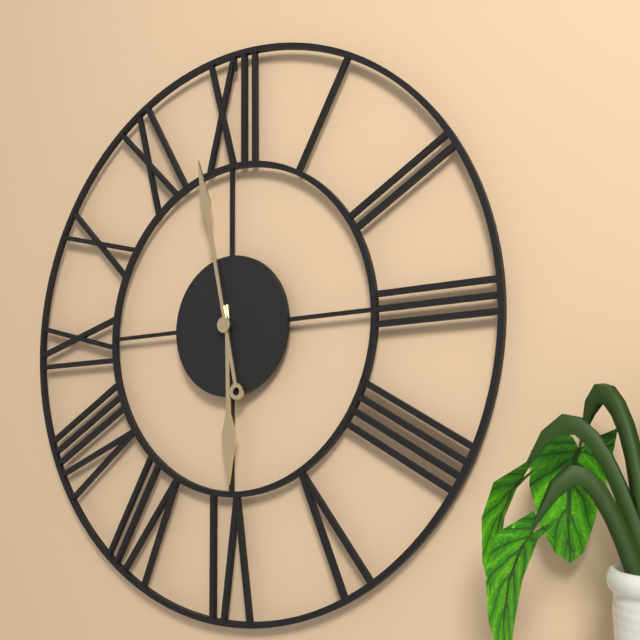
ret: {"hour": 5, "minute": 58}
